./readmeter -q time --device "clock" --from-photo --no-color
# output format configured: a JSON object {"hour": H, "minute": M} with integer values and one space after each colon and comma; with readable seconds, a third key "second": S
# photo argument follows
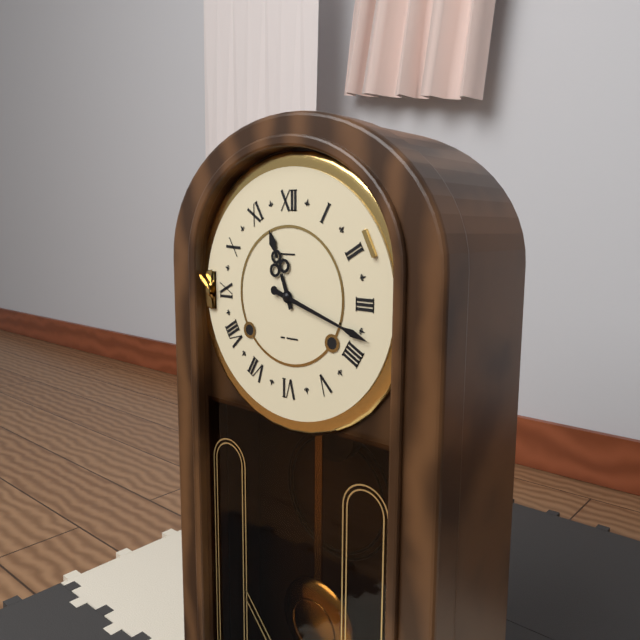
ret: {"hour": 11, "minute": 18}
